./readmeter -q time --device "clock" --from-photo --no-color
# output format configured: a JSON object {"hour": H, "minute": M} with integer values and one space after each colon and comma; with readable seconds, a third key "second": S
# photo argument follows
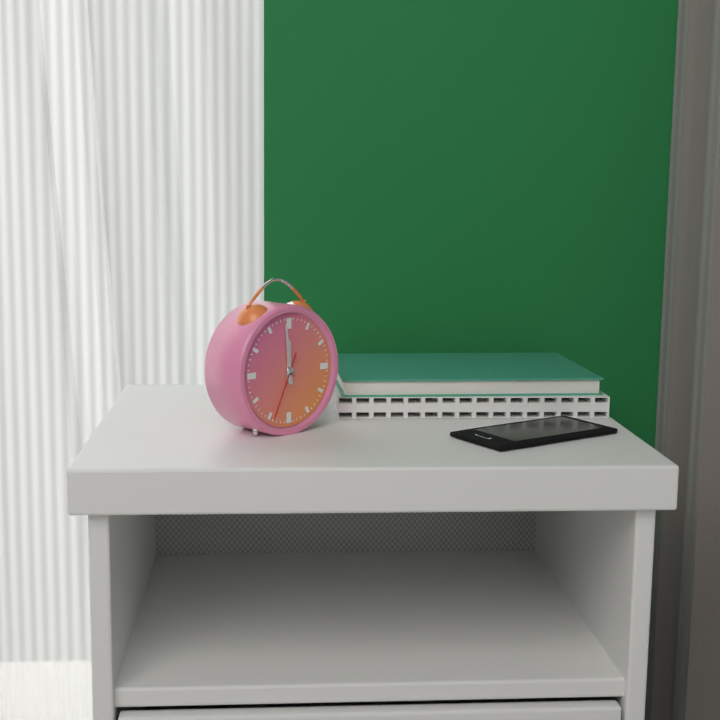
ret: {"hour": 11, "minute": 59, "second": 34}
